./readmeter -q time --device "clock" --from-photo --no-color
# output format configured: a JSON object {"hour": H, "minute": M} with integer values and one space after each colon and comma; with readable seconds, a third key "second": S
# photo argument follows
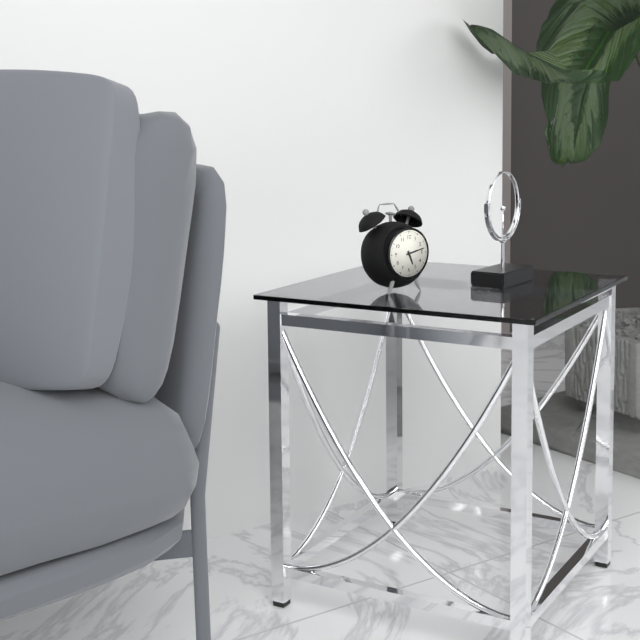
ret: {"hour": 5, "minute": 13}
